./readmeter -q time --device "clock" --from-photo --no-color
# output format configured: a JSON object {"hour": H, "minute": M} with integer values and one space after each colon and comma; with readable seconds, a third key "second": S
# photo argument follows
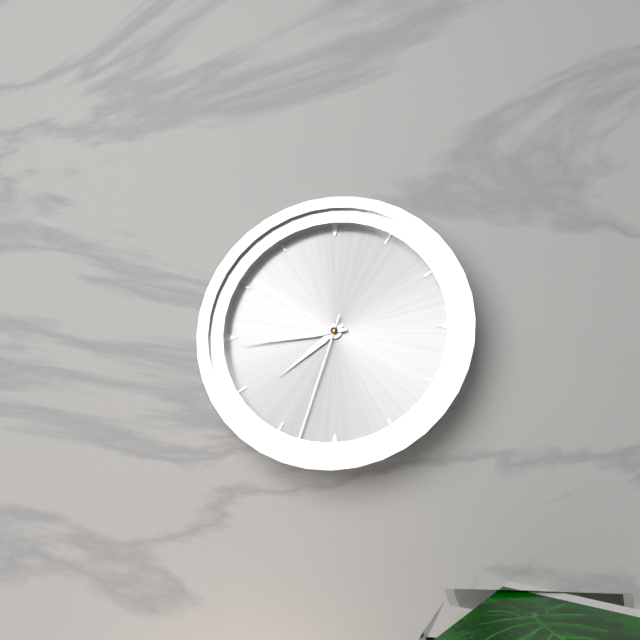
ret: {"hour": 7, "minute": 44, "second": 33}
